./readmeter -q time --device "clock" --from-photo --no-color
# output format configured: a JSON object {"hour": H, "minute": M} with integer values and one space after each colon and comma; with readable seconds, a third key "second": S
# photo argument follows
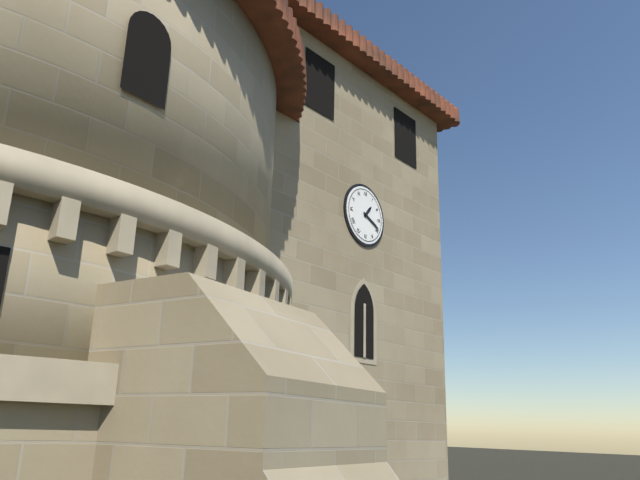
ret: {"hour": 1, "minute": 19}
